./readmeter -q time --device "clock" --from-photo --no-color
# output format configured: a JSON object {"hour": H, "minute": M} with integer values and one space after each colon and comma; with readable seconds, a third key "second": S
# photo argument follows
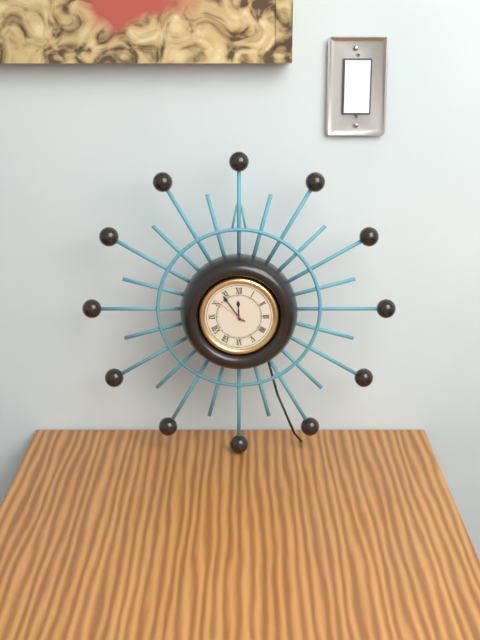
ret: {"hour": 11, "minute": 54}
